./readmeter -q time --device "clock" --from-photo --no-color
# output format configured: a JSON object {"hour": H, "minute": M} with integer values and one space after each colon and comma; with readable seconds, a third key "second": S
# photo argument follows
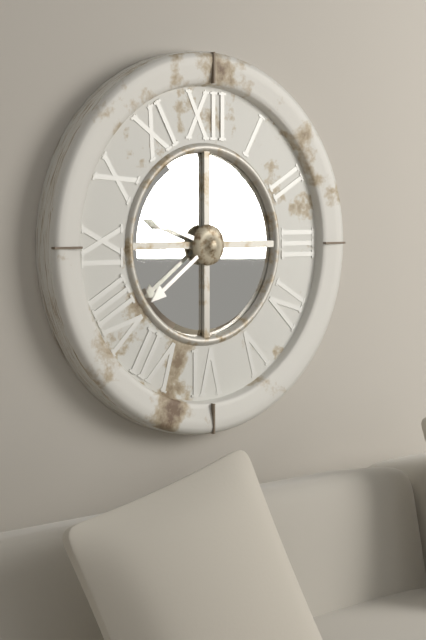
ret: {"hour": 9, "minute": 39}
